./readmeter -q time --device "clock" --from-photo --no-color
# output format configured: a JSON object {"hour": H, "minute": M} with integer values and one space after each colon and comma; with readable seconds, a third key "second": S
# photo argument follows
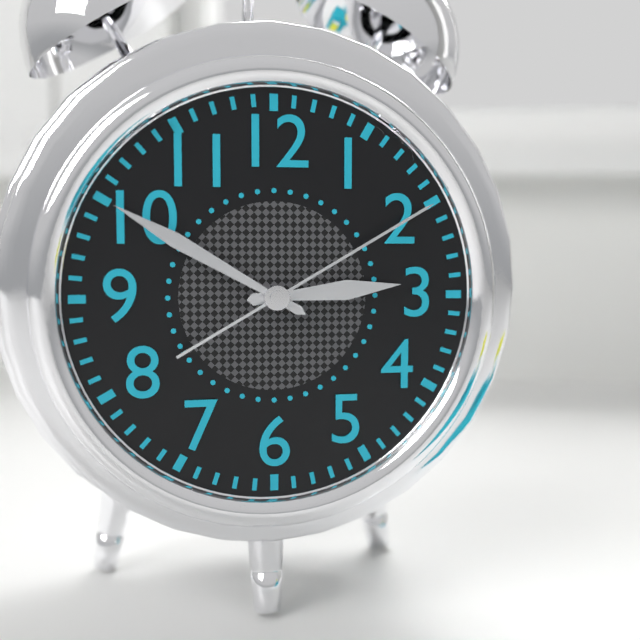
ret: {"hour": 2, "minute": 50, "second": 10}
